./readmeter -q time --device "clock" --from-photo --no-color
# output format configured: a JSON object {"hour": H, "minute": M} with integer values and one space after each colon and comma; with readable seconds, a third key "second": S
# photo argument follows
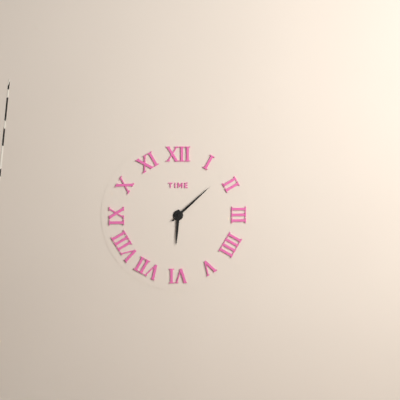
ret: {"hour": 6, "minute": 8}
